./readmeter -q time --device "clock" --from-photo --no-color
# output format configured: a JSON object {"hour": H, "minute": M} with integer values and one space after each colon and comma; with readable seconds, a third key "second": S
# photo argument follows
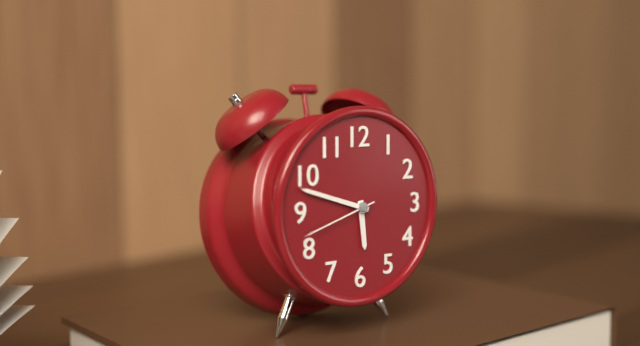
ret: {"hour": 5, "minute": 48, "second": 42}
